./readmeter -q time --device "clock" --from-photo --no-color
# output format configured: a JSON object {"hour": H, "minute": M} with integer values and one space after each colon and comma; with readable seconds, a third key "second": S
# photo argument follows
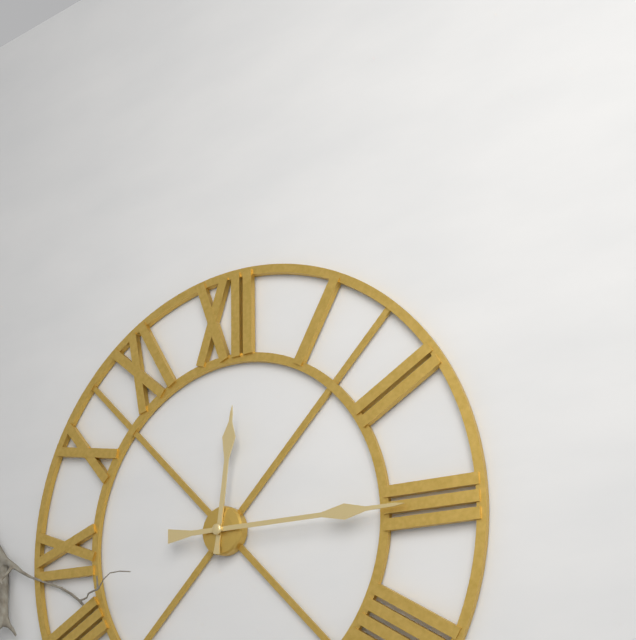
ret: {"hour": 12, "minute": 15}
